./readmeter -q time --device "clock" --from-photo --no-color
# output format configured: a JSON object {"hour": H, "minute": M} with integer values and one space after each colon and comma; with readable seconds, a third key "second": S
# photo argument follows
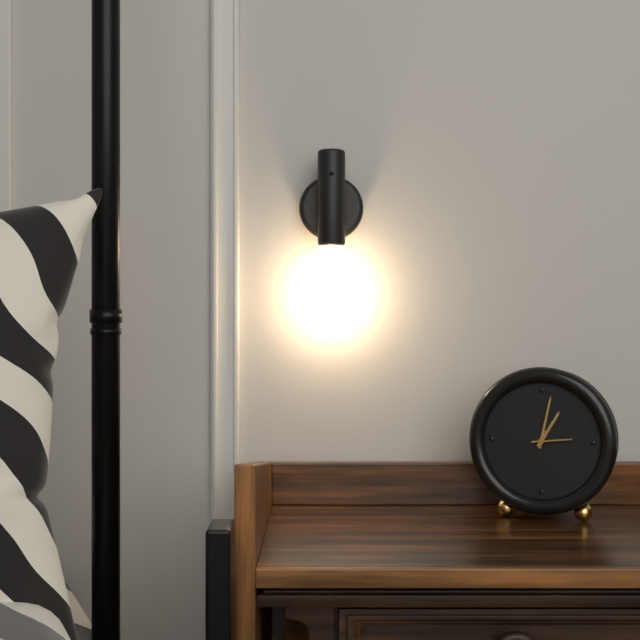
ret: {"hour": 1, "minute": 2}
